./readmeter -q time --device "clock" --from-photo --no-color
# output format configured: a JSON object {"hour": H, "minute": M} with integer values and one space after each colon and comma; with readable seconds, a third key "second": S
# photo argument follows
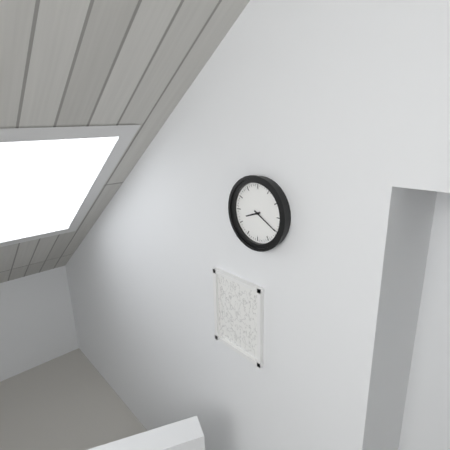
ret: {"hour": 8, "minute": 20}
